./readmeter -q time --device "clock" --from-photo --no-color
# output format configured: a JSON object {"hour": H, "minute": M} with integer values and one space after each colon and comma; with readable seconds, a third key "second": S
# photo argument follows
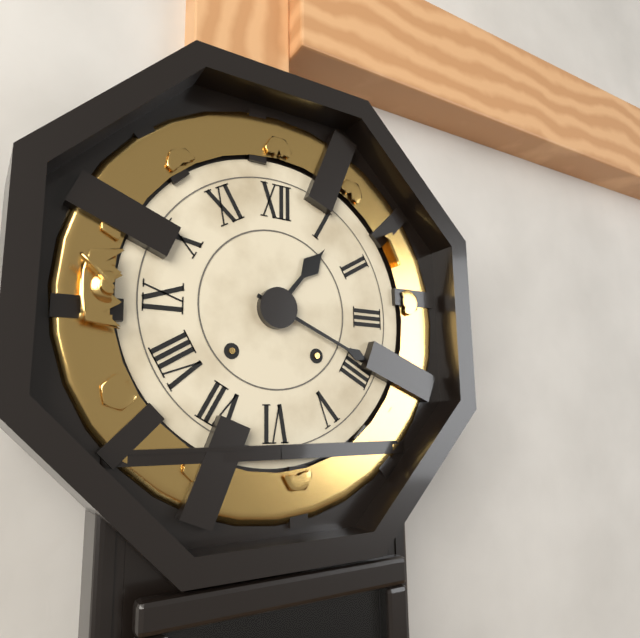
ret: {"hour": 1, "minute": 19}
